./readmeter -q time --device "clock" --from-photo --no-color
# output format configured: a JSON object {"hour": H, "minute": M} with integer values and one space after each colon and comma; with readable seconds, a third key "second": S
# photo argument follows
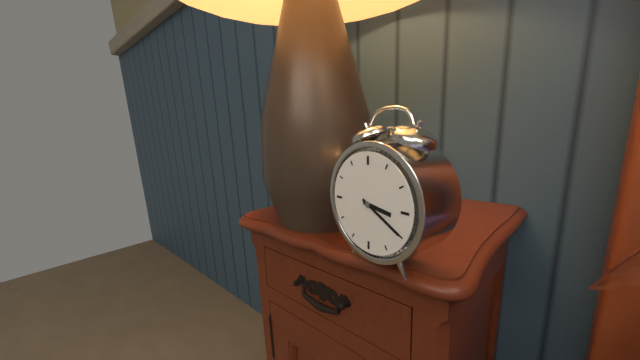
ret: {"hour": 3, "minute": 20}
